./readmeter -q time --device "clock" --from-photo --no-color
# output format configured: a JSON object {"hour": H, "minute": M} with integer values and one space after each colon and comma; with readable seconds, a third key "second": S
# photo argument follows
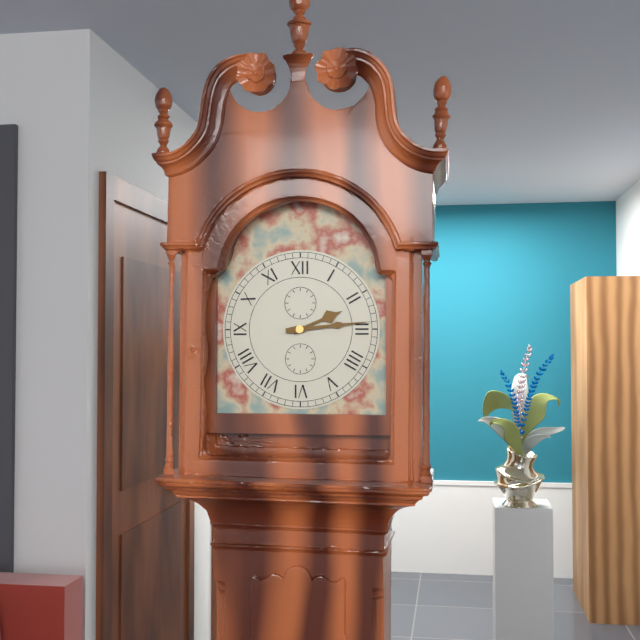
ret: {"hour": 2, "minute": 14}
